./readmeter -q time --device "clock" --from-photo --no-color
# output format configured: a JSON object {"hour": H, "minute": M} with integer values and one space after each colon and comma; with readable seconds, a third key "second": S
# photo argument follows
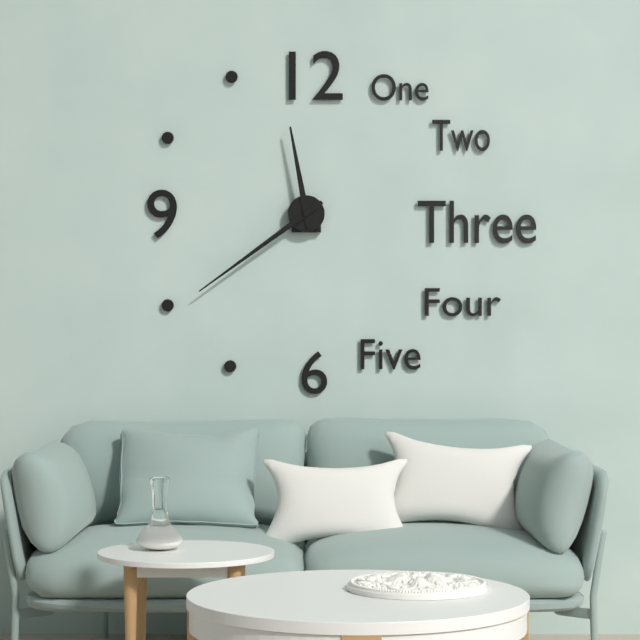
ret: {"hour": 11, "minute": 39}
